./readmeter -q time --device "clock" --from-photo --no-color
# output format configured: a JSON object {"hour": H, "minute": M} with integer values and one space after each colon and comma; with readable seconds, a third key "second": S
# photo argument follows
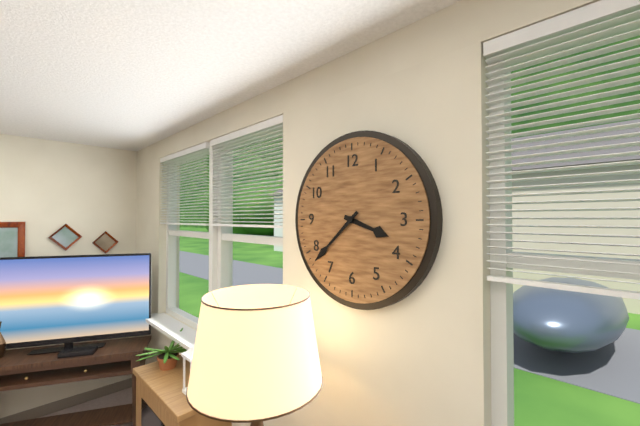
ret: {"hour": 3, "minute": 38}
